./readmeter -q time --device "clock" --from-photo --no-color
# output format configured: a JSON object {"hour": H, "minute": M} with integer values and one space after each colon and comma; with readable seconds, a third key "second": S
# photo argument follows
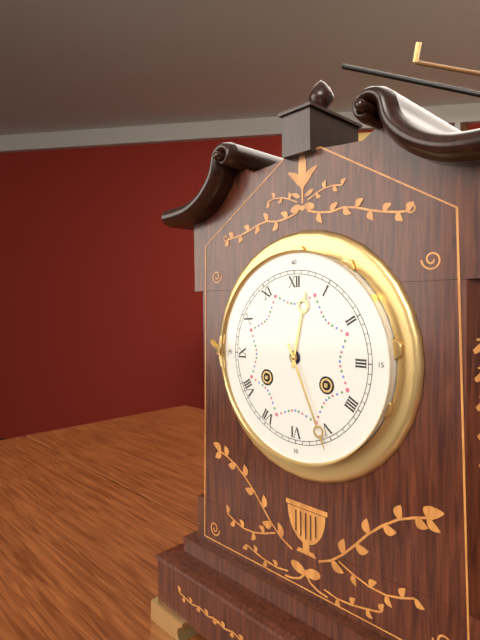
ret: {"hour": 12, "minute": 26}
